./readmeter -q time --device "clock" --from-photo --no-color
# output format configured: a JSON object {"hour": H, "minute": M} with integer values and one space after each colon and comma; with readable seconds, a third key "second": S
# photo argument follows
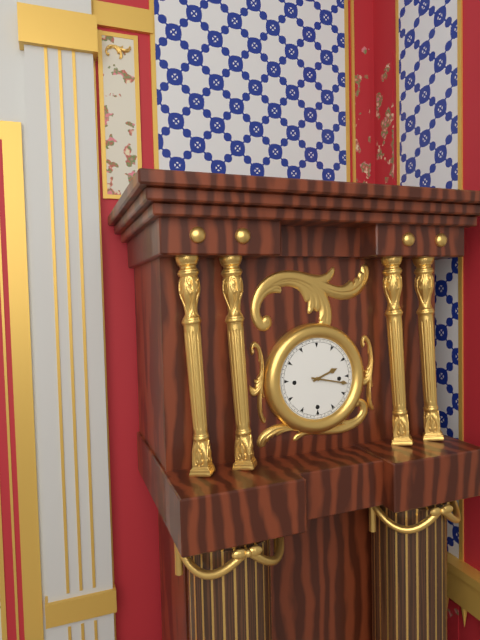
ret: {"hour": 2, "minute": 17}
